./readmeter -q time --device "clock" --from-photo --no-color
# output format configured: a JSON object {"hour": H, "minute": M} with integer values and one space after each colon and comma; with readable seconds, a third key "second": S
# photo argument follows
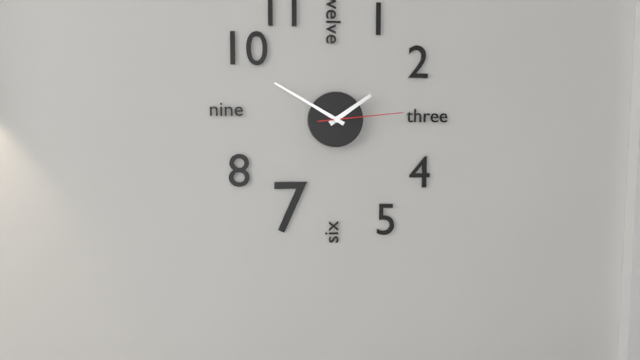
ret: {"hour": 1, "minute": 50, "second": 14}
